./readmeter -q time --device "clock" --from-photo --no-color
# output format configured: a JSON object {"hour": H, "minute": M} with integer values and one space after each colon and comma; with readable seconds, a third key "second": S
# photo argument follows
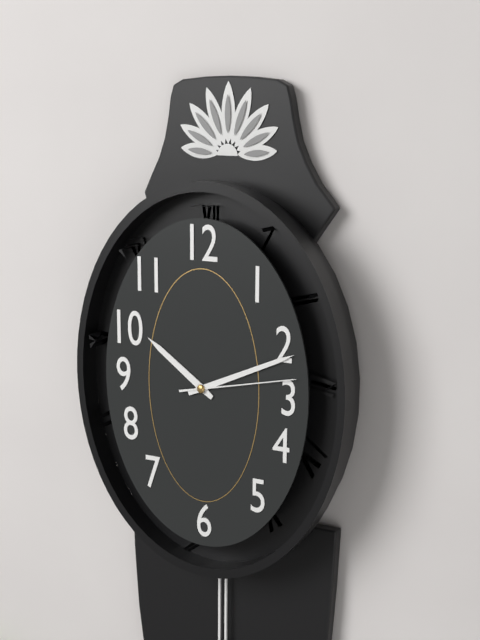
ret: {"hour": 10, "minute": 11, "second": 13}
